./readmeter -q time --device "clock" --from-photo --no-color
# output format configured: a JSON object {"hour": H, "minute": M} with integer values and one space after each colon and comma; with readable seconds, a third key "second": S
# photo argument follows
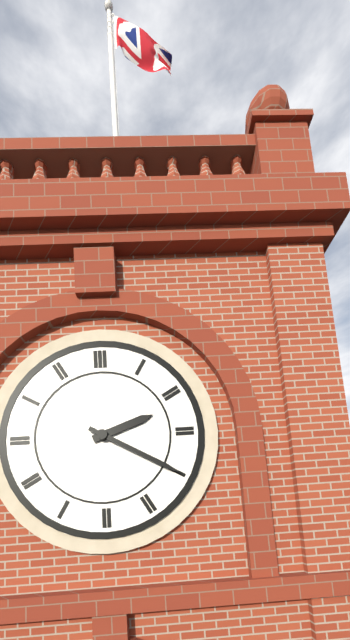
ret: {"hour": 2, "minute": 20}
